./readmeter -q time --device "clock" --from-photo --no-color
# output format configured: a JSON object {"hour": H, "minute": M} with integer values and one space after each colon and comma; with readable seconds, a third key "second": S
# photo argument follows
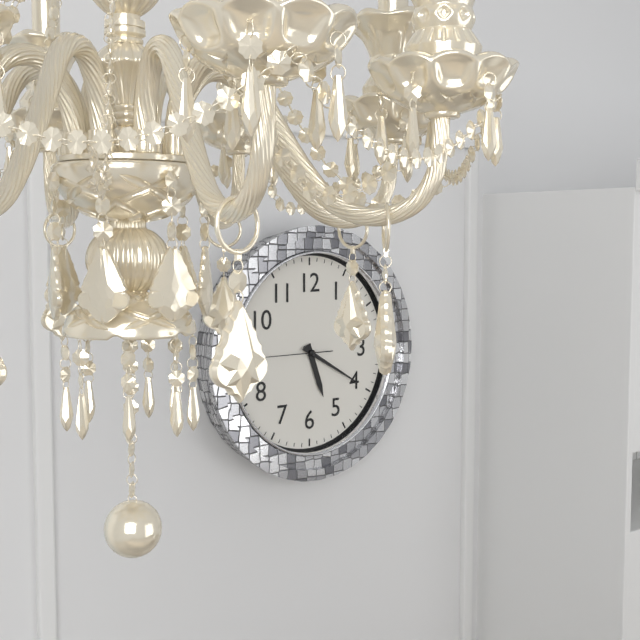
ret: {"hour": 5, "minute": 20, "second": 45}
